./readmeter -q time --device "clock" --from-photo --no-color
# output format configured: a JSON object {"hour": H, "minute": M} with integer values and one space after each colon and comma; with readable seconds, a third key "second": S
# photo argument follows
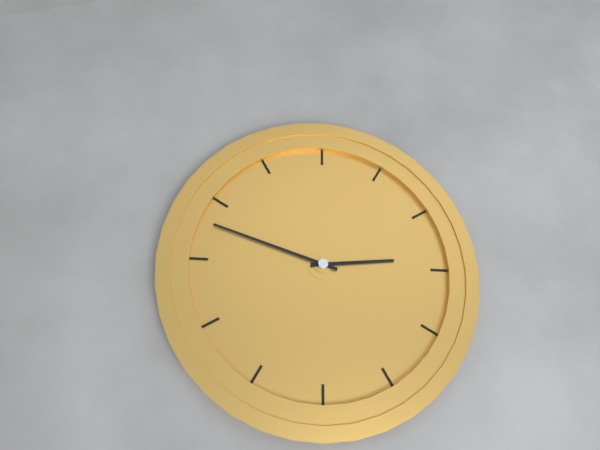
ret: {"hour": 2, "minute": 48}
